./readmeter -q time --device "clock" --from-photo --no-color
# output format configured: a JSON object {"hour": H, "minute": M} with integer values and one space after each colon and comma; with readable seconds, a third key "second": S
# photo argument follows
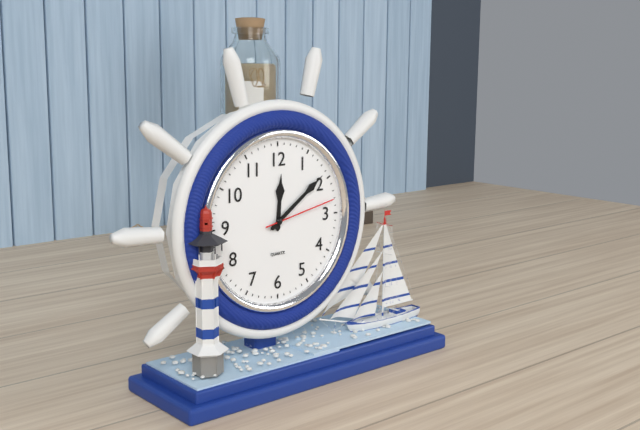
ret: {"hour": 12, "minute": 9, "second": 13}
